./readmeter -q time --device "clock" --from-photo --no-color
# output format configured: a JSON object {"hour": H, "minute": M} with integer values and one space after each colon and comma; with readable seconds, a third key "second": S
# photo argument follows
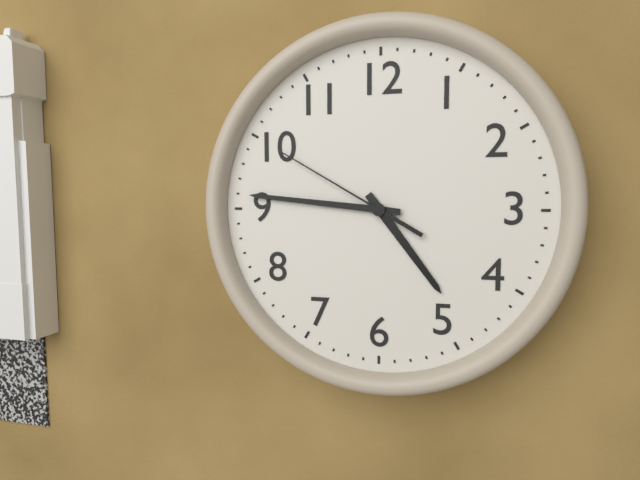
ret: {"hour": 4, "minute": 46, "second": 50}
